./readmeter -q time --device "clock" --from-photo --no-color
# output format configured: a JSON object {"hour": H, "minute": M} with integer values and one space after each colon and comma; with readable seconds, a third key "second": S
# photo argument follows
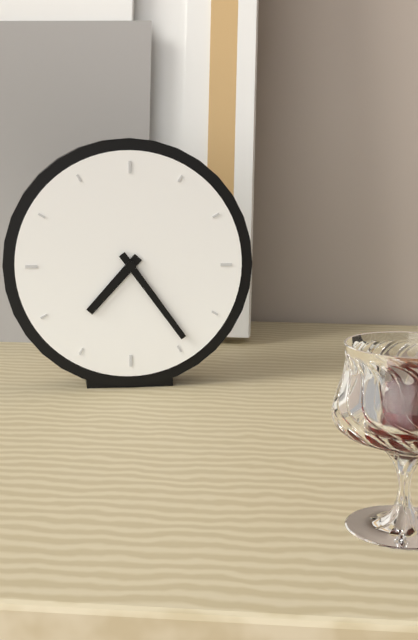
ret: {"hour": 7, "minute": 24}
